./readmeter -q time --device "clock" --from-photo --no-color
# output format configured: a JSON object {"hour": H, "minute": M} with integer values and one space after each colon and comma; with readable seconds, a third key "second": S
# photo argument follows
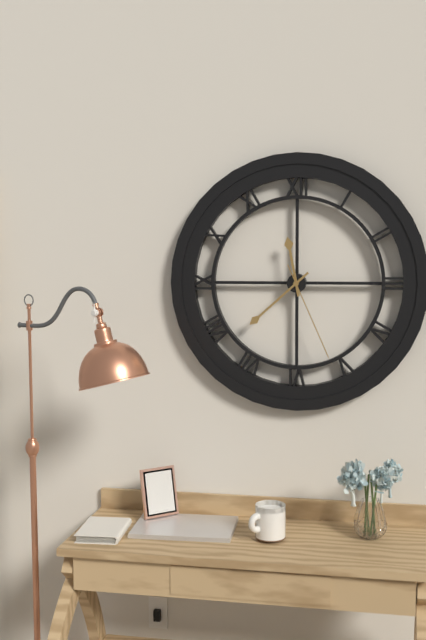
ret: {"hour": 11, "minute": 38, "second": 26}
